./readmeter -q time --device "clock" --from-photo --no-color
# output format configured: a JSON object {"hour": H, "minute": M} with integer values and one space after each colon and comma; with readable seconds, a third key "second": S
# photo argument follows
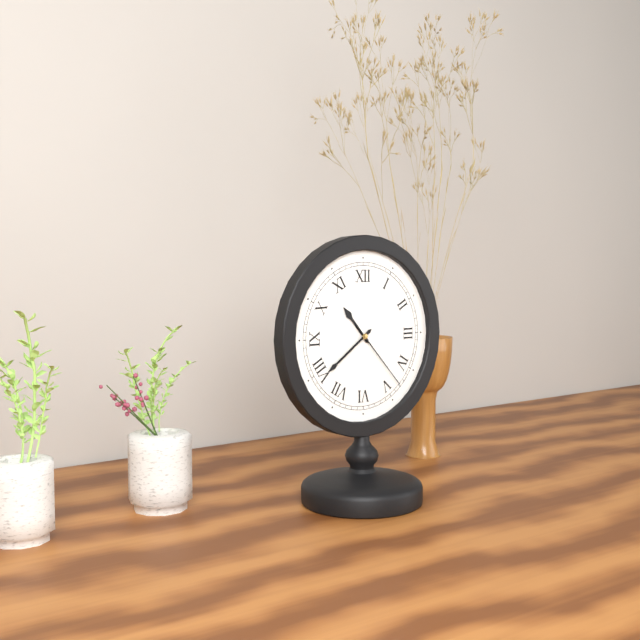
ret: {"hour": 10, "minute": 39, "second": 23}
